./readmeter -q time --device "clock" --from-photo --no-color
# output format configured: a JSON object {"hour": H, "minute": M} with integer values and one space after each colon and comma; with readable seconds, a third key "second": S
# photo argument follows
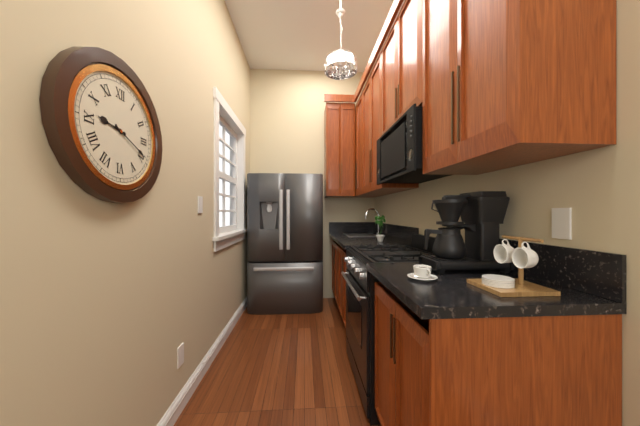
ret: {"hour": 9, "minute": 19}
